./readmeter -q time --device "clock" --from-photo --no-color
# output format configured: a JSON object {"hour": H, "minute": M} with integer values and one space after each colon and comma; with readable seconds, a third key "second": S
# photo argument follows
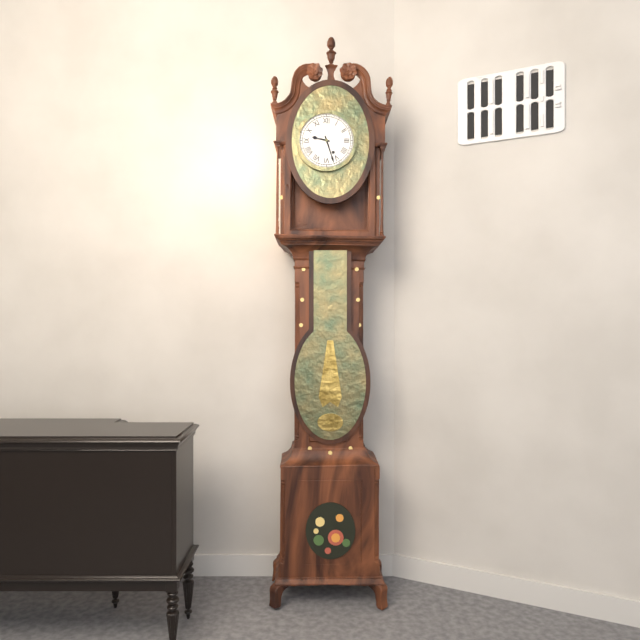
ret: {"hour": 9, "minute": 27}
